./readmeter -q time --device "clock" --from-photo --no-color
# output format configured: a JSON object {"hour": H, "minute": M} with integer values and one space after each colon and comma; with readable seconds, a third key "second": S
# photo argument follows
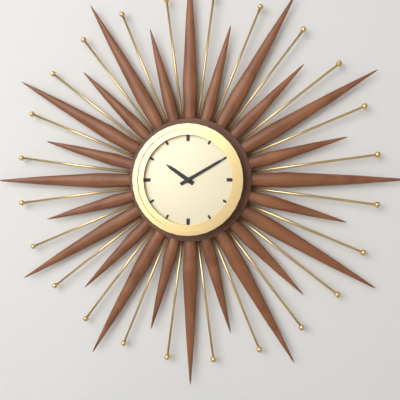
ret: {"hour": 10, "minute": 10}
